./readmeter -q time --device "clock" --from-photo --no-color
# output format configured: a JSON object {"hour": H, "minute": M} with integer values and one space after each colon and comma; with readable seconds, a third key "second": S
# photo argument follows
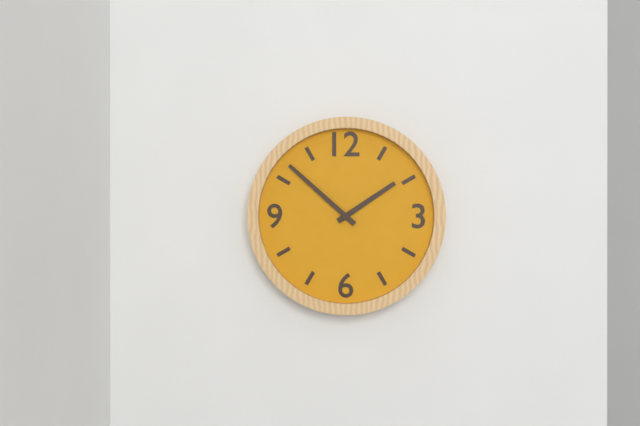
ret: {"hour": 1, "minute": 52}
